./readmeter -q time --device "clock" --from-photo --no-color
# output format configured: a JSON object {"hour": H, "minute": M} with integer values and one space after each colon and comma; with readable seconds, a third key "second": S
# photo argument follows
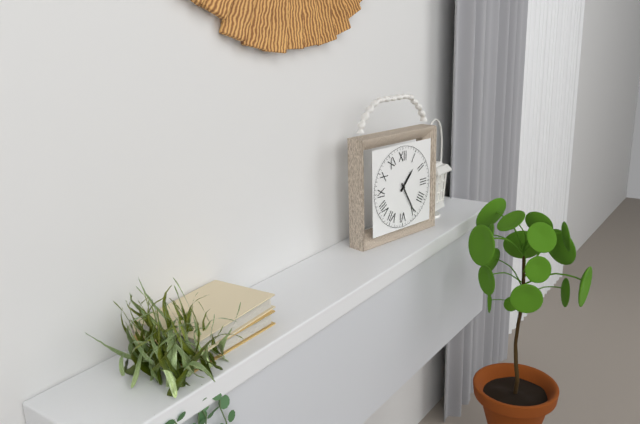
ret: {"hour": 1, "minute": 25}
